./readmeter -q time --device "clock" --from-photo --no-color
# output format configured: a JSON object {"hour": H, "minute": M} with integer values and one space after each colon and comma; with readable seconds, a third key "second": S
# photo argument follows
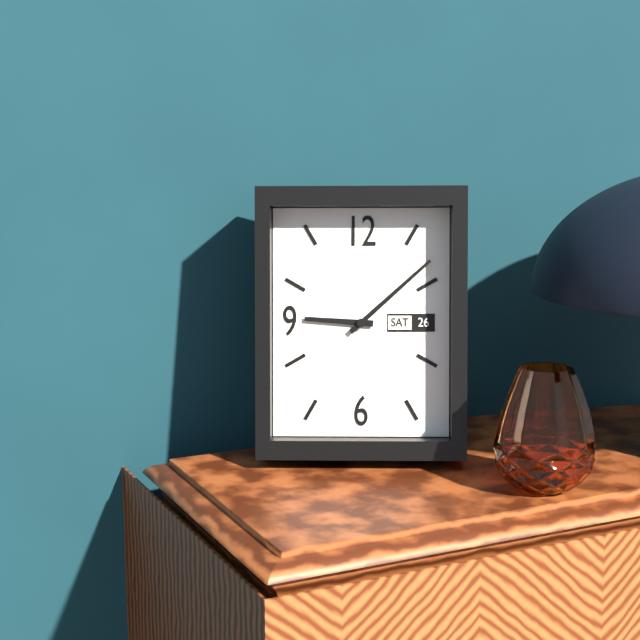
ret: {"hour": 9, "minute": 8}
